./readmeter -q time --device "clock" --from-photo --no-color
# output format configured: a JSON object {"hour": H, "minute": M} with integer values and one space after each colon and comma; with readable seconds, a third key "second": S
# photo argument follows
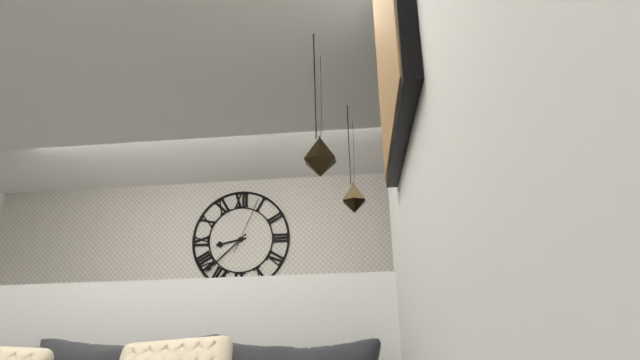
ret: {"hour": 8, "minute": 38, "second": 4}
